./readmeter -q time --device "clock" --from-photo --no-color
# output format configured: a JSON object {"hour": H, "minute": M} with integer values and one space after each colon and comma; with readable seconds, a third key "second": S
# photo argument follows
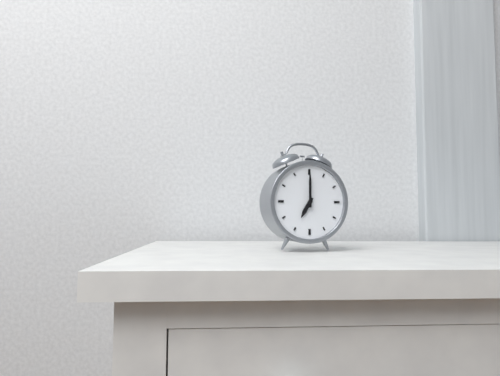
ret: {"hour": 7, "minute": 0}
